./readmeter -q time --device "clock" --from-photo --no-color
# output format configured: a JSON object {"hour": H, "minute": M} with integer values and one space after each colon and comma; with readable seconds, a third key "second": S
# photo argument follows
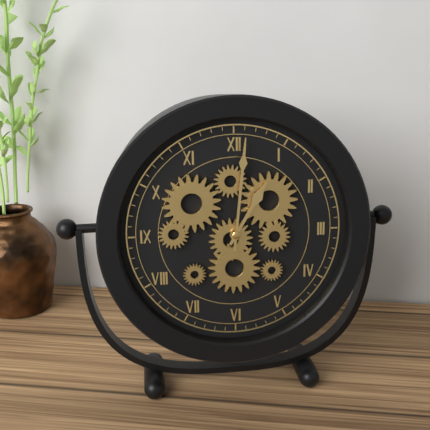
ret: {"hour": 1, "minute": 1}
